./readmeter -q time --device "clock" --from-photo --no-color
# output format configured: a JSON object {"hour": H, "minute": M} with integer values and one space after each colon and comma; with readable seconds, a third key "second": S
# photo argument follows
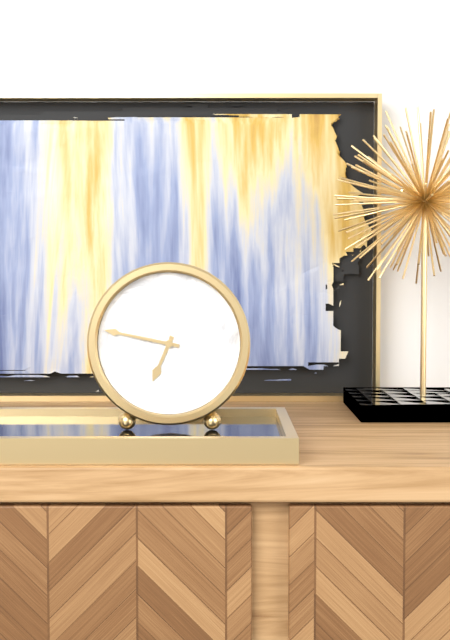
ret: {"hour": 6, "minute": 47}
